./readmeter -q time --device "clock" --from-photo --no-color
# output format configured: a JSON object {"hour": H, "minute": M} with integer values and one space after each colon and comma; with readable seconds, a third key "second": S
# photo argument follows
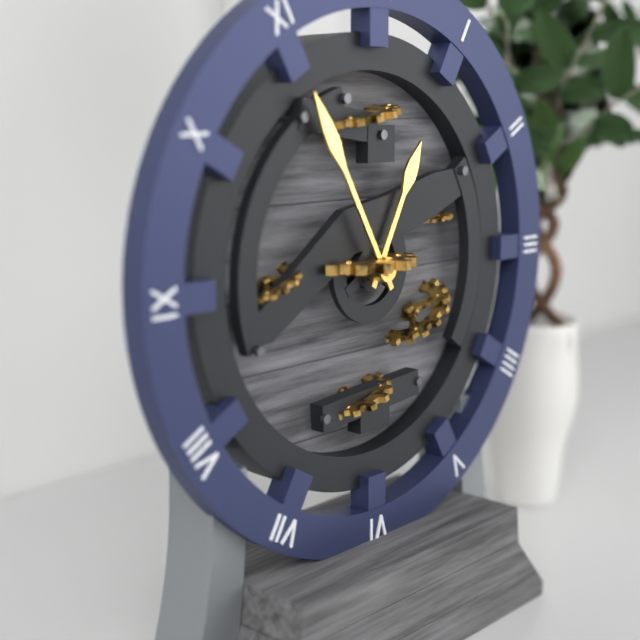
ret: {"hour": 12, "minute": 55}
